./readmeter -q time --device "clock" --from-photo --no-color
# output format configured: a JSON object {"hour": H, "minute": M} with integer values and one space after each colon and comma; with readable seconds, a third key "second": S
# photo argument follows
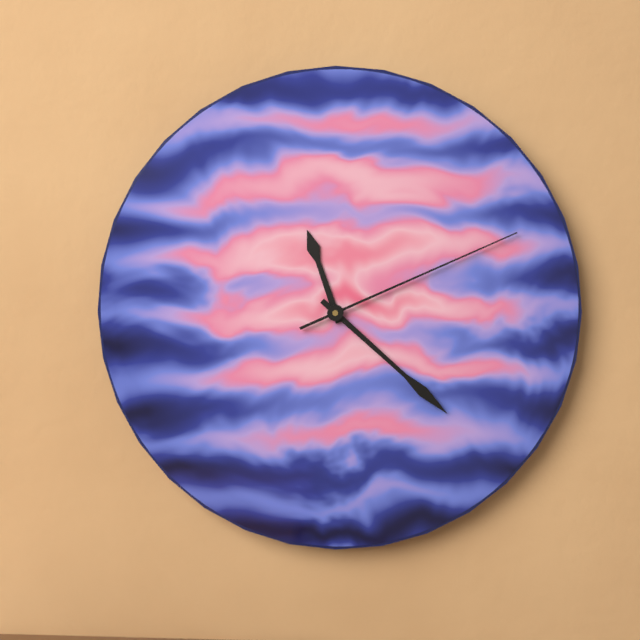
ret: {"hour": 11, "minute": 22, "second": 11}
